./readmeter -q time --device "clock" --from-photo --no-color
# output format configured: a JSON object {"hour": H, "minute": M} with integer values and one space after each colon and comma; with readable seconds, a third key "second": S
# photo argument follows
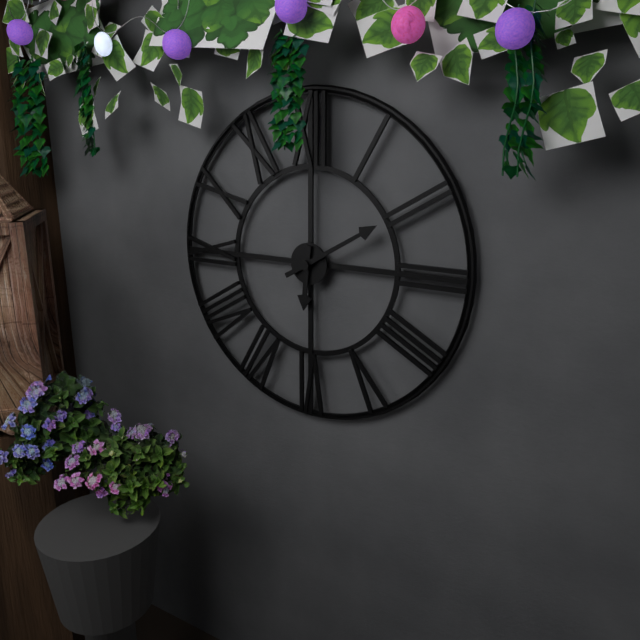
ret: {"hour": 6, "minute": 10}
